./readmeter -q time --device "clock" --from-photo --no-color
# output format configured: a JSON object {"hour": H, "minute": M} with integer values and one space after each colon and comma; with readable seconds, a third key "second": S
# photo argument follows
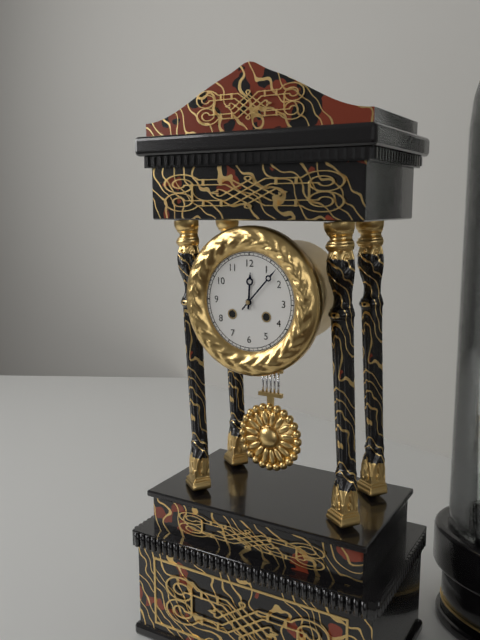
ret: {"hour": 12, "minute": 7}
